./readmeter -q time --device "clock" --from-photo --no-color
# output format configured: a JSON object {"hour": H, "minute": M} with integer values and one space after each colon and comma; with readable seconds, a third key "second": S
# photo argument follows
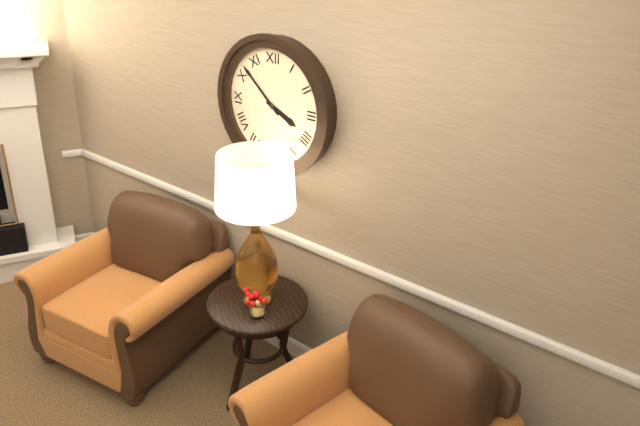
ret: {"hour": 3, "minute": 52}
